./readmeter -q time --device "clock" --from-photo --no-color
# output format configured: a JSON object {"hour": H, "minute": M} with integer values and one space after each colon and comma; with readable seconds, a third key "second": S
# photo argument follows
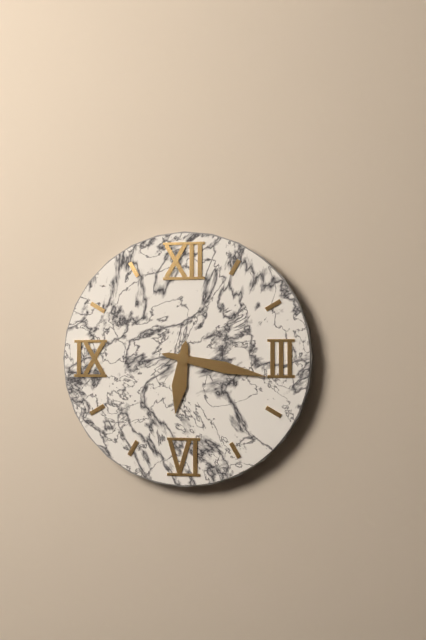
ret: {"hour": 6, "minute": 17}
